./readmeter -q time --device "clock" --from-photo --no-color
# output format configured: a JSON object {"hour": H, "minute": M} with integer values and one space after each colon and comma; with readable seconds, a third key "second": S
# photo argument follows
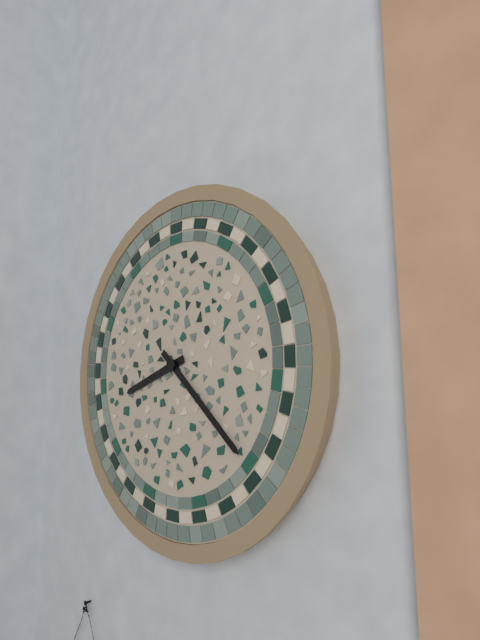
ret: {"hour": 8, "minute": 22}
